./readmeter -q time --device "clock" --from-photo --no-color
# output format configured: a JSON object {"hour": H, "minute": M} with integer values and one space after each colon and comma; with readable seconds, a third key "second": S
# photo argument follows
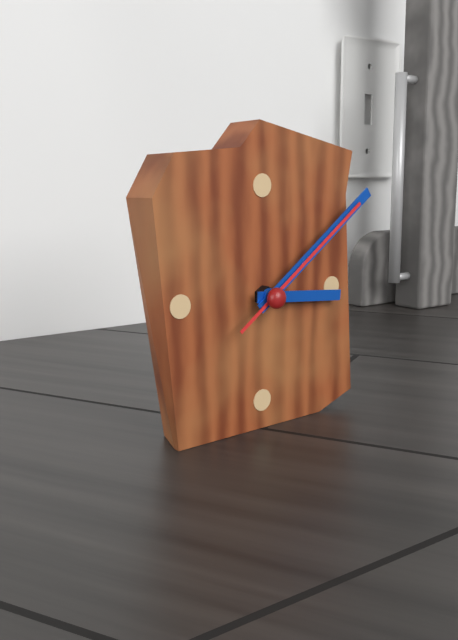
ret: {"hour": 3, "minute": 9, "second": 9}
